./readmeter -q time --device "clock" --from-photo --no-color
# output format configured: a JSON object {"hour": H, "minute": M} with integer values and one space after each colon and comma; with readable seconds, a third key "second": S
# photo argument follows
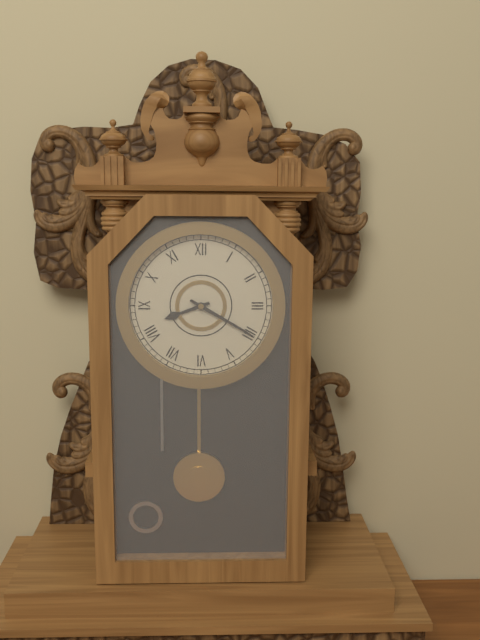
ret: {"hour": 8, "minute": 20}
